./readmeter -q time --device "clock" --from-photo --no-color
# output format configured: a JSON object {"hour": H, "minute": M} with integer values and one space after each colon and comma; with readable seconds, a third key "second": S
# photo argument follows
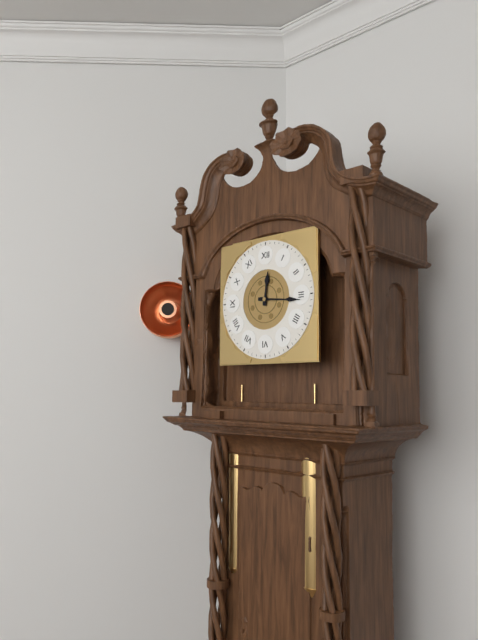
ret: {"hour": 12, "minute": 16}
